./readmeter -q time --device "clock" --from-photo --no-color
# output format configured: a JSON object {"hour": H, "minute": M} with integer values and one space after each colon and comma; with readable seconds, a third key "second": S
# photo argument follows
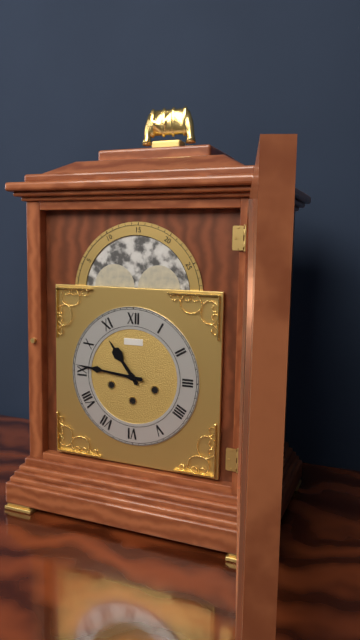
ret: {"hour": 10, "minute": 46}
